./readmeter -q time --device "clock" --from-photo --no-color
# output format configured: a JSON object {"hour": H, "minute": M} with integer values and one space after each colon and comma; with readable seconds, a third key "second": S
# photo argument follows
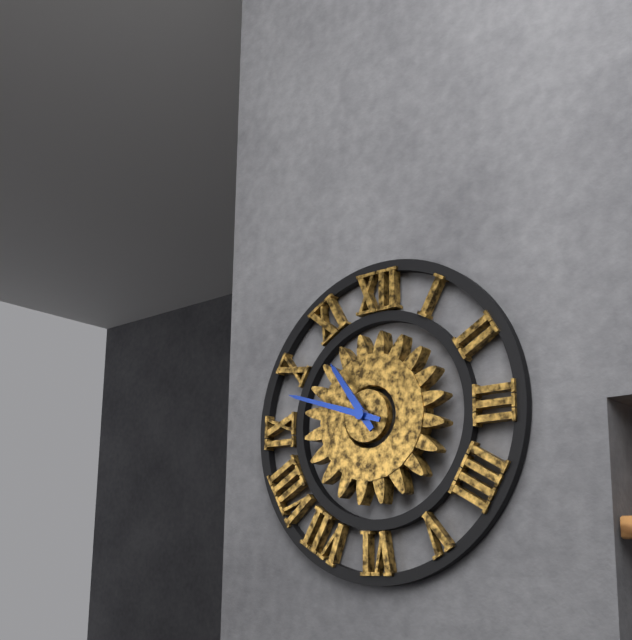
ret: {"hour": 10, "minute": 48}
